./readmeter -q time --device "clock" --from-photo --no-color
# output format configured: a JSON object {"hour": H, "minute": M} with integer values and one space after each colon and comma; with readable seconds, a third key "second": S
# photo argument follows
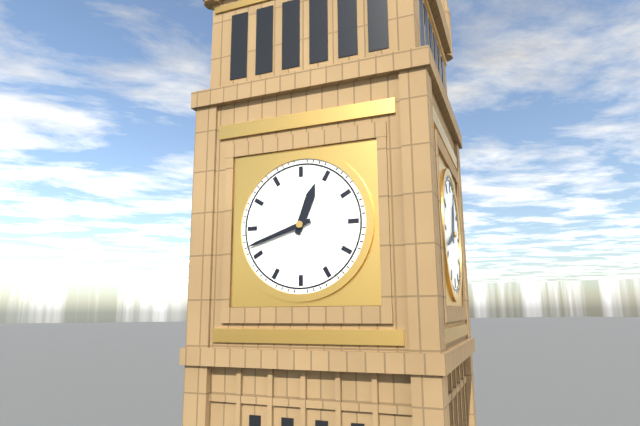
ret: {"hour": 12, "minute": 42}
